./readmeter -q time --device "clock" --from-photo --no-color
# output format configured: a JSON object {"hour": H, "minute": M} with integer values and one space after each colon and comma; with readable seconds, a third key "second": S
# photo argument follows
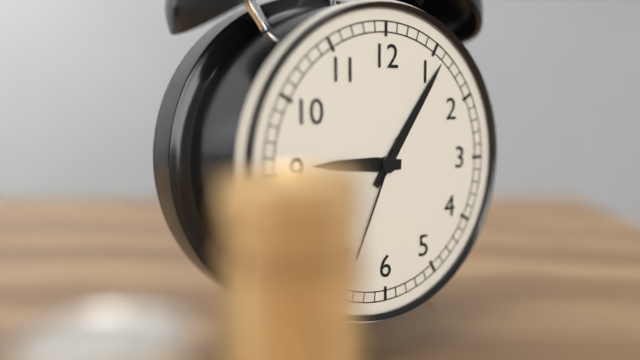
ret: {"hour": 9, "minute": 6, "second": 34}
